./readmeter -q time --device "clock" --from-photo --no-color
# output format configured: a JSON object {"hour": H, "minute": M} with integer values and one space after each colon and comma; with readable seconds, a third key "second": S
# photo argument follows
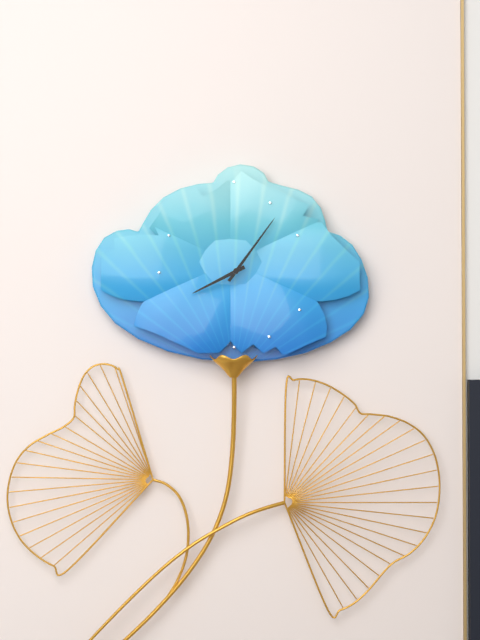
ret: {"hour": 8, "minute": 6}
